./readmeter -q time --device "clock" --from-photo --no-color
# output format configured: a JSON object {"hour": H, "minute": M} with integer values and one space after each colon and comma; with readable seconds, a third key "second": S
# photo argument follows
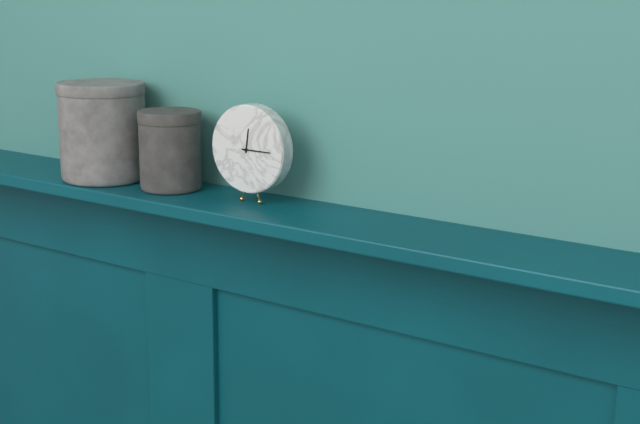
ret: {"hour": 12, "minute": 15}
